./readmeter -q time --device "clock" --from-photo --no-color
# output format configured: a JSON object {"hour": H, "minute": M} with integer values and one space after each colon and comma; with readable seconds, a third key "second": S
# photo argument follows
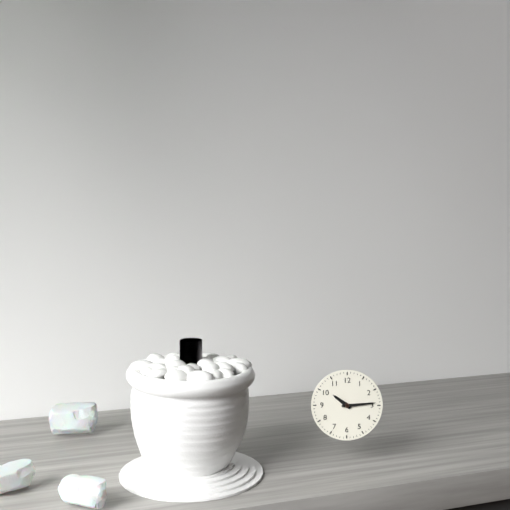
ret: {"hour": 10, "minute": 14}
